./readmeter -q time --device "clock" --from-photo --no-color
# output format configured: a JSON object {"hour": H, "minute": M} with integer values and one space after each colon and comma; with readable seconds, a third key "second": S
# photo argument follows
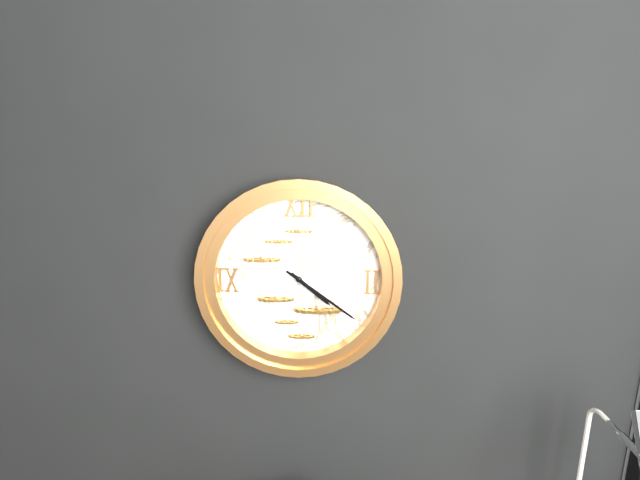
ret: {"hour": 4, "minute": 21}
